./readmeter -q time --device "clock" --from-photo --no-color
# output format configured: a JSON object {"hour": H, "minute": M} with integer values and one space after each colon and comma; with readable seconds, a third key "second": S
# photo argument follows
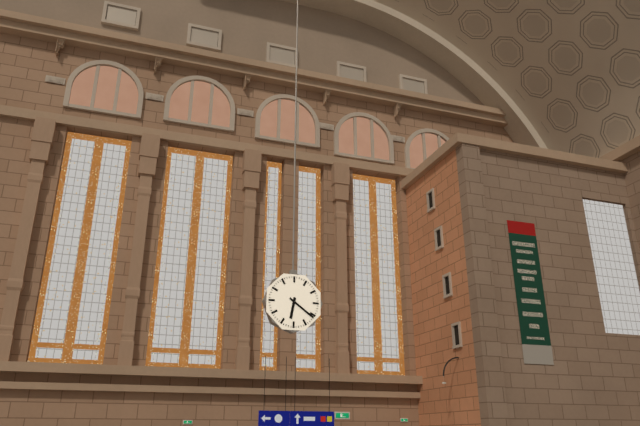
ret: {"hour": 6, "minute": 21}
